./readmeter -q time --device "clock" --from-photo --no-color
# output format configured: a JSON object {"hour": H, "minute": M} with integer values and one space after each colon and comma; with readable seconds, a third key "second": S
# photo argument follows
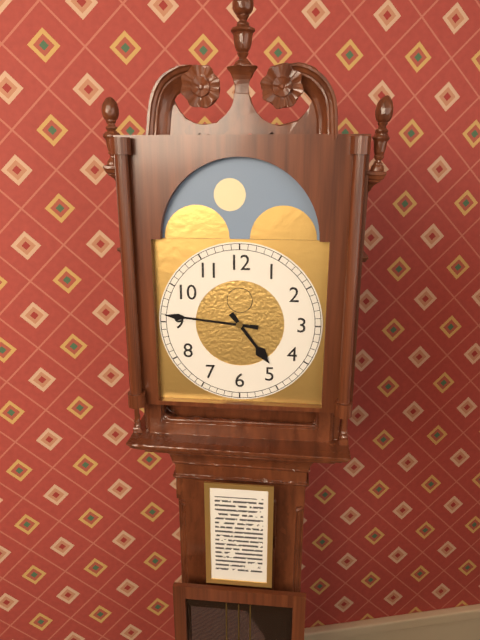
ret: {"hour": 4, "minute": 46}
